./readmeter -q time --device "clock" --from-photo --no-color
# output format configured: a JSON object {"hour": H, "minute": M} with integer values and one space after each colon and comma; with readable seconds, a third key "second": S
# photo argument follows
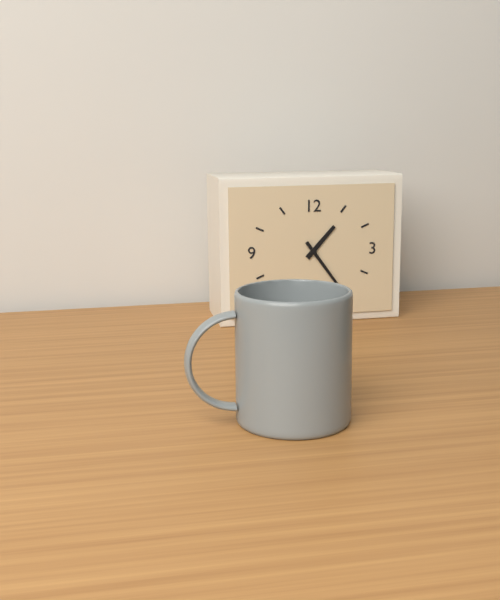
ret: {"hour": 1, "minute": 24}
